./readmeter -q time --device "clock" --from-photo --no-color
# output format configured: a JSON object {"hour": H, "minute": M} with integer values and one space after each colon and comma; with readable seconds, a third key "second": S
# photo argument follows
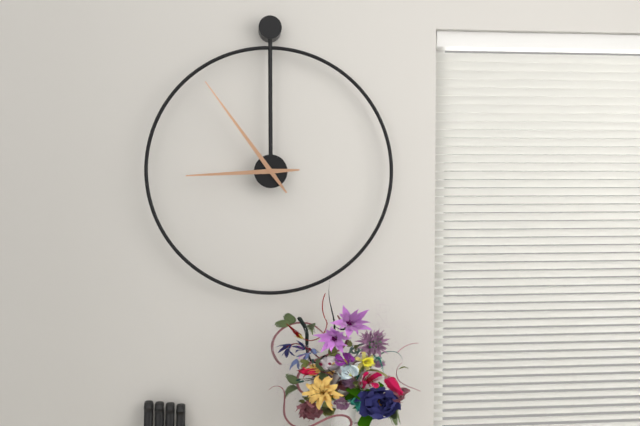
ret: {"hour": 8, "minute": 54}
